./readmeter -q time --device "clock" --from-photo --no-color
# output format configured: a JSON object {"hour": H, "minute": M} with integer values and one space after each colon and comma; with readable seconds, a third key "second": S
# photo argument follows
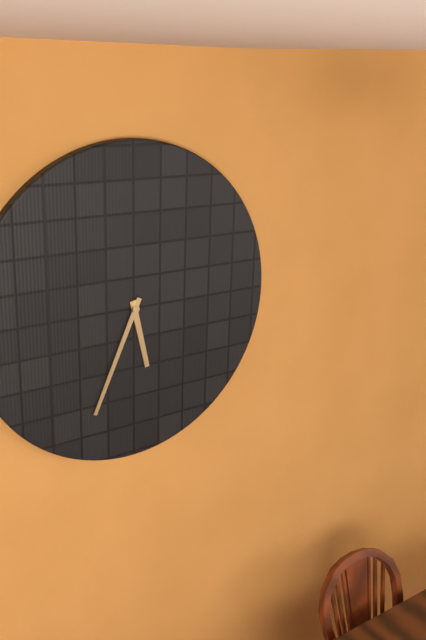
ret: {"hour": 5, "minute": 34}
